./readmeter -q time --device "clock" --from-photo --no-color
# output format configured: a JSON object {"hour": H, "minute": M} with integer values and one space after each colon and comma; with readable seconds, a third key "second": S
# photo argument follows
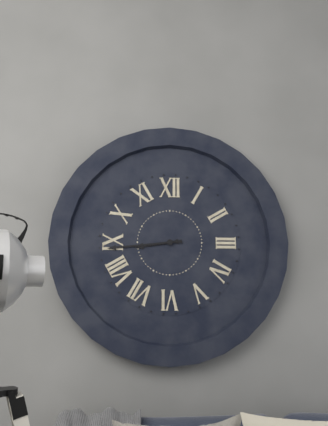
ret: {"hour": 8, "minute": 44}
